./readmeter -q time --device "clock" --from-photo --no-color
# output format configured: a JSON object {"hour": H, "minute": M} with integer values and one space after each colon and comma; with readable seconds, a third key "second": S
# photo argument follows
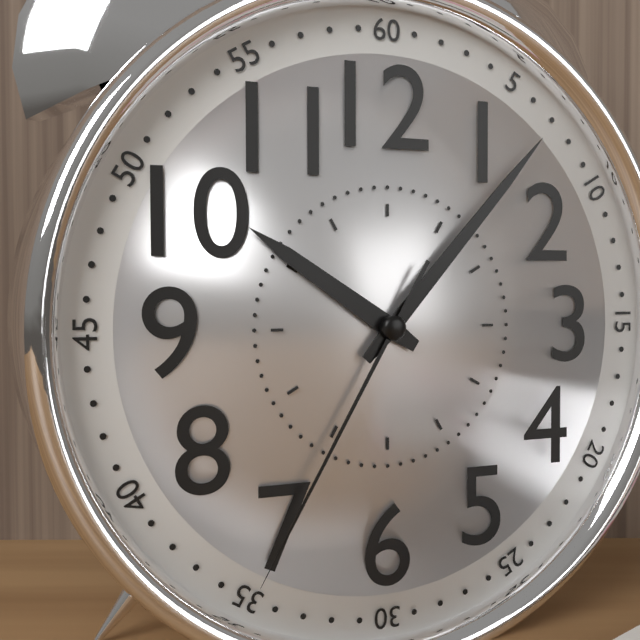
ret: {"hour": 10, "minute": 7, "second": 35}
